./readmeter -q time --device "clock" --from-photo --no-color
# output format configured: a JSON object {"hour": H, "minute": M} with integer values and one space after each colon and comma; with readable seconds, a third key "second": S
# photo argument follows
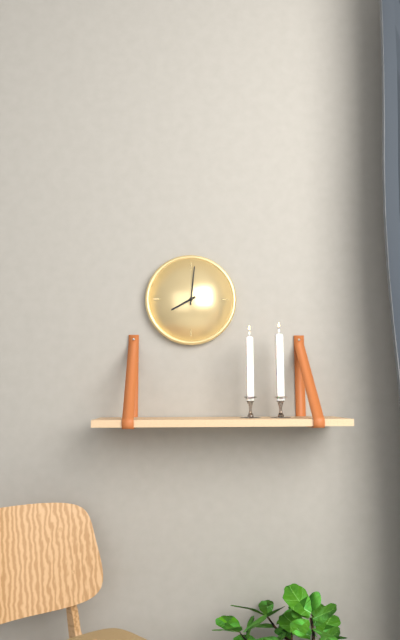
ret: {"hour": 8, "minute": 1}
